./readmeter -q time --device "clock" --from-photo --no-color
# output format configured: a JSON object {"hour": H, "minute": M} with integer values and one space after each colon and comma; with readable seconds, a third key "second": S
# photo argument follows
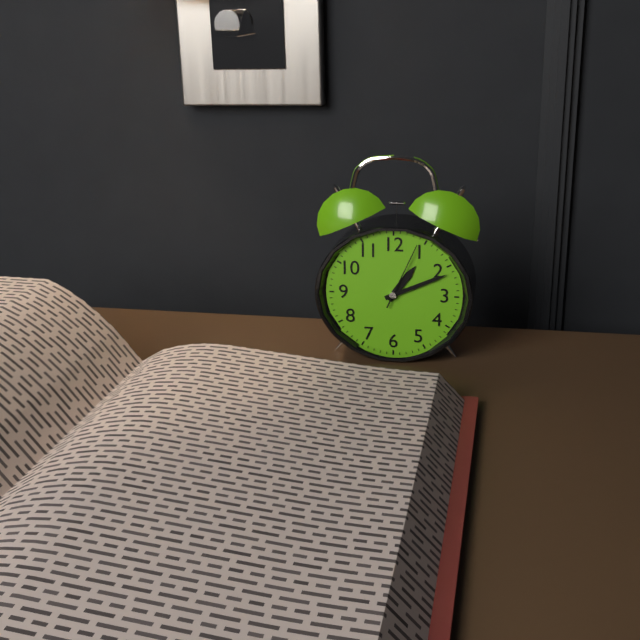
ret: {"hour": 1, "minute": 11, "second": 4}
